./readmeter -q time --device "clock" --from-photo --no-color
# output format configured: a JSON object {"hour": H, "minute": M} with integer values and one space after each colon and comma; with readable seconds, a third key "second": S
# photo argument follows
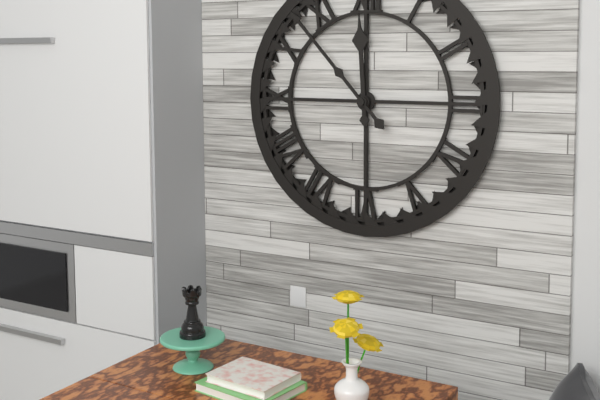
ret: {"hour": 11, "minute": 53}
